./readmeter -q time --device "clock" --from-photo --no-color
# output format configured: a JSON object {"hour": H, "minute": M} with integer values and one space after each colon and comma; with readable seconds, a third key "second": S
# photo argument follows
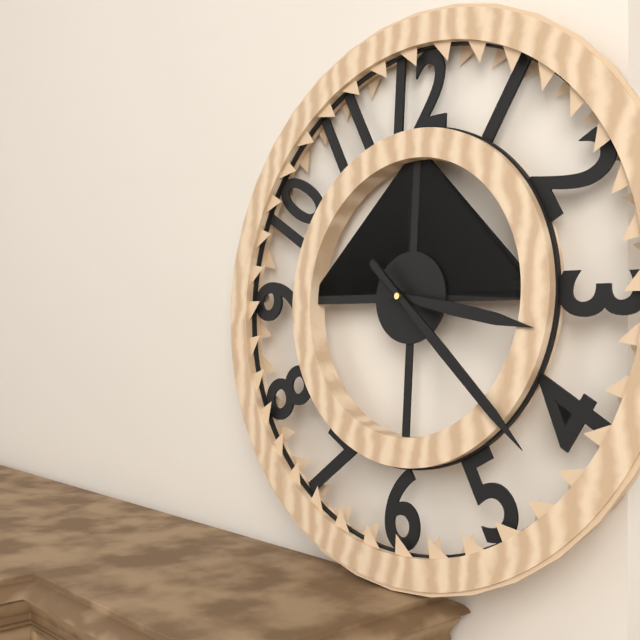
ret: {"hour": 3, "minute": 22}
